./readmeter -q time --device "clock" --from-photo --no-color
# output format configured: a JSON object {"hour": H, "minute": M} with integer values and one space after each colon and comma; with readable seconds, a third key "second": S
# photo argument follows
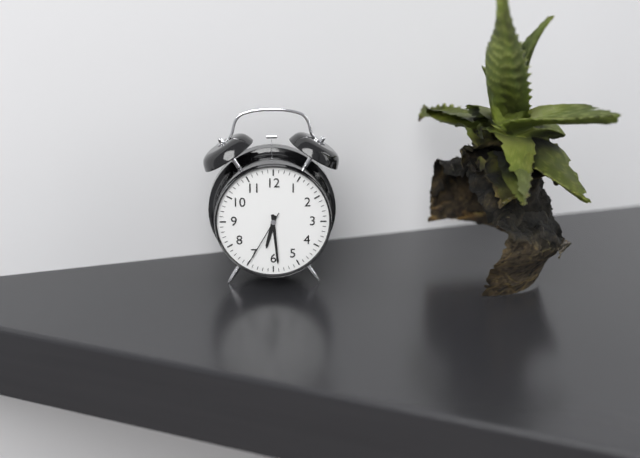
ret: {"hour": 6, "minute": 29, "second": 35}
